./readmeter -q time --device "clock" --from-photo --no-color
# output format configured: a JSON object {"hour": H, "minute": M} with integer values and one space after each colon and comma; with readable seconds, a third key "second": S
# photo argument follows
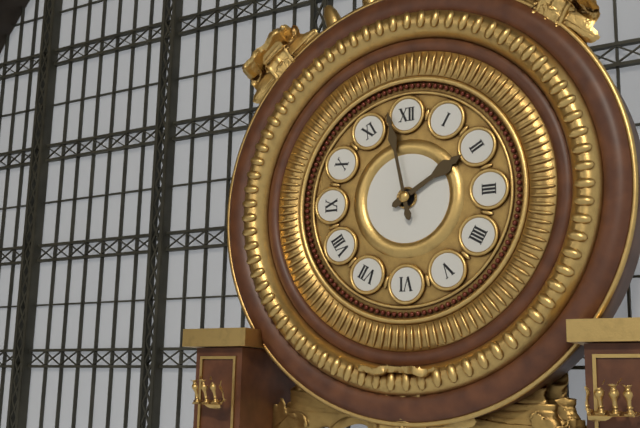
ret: {"hour": 1, "minute": 58}
